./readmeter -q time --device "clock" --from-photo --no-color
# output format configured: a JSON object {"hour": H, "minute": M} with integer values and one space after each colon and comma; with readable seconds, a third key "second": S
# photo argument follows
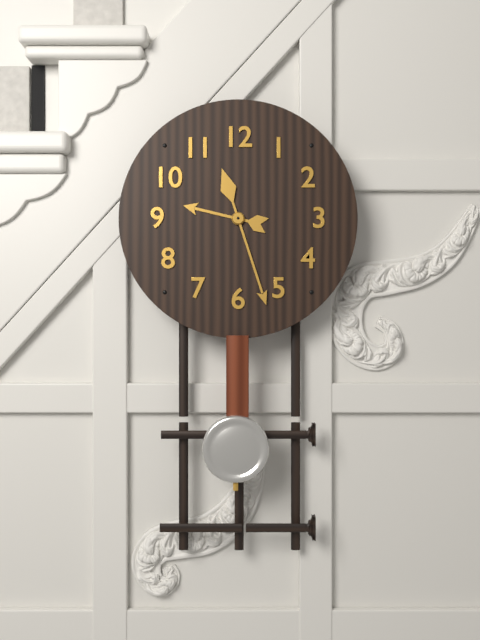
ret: {"hour": 9, "minute": 27}
